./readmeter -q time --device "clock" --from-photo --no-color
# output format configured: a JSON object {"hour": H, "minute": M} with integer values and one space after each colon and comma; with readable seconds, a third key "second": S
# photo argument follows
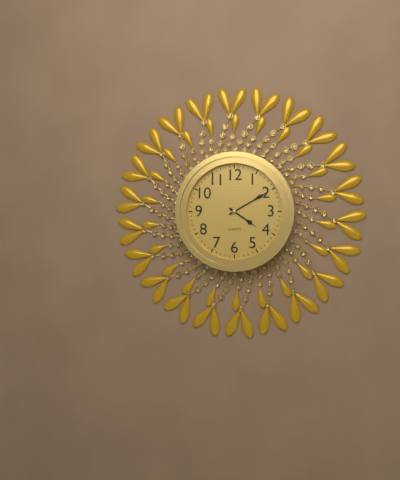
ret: {"hour": 4, "minute": 10}
